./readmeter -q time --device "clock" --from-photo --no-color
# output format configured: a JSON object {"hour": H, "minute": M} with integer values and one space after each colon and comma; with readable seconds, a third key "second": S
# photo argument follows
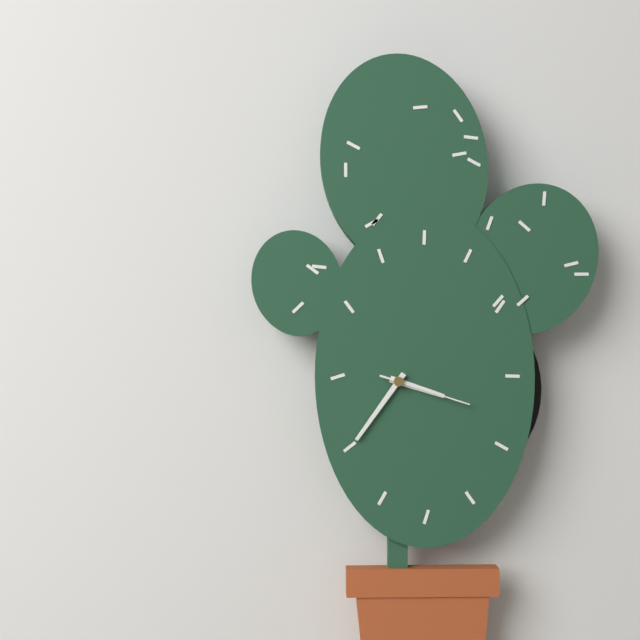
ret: {"hour": 3, "minute": 36, "second": 18}
